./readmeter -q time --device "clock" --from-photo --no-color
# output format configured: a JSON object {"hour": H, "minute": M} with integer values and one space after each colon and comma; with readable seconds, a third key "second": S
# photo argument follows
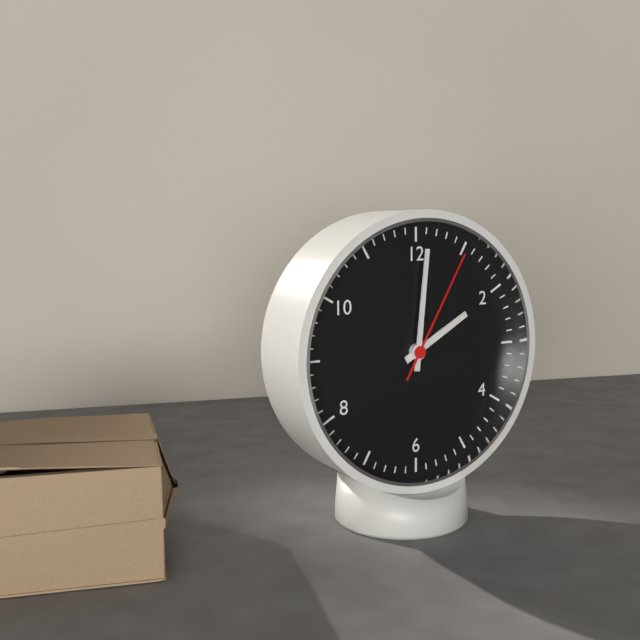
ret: {"hour": 2, "minute": 1, "second": 5}
